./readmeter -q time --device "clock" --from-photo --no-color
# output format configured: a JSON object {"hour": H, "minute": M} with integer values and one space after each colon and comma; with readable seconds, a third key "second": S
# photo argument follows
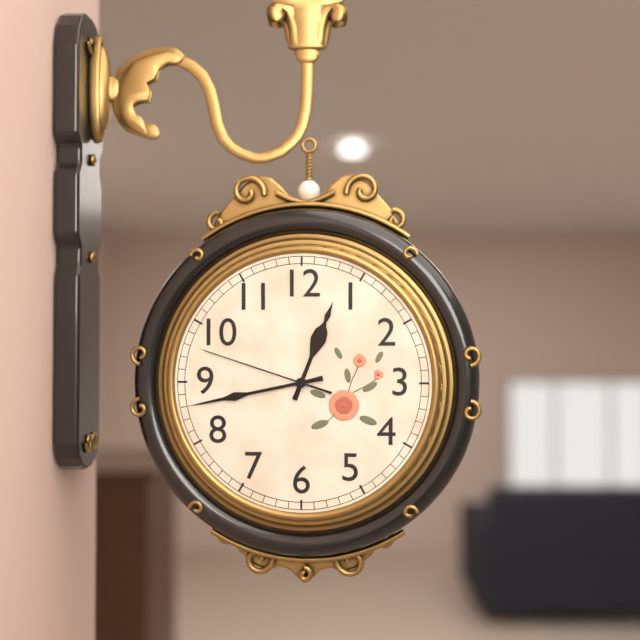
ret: {"hour": 12, "minute": 43, "second": 48}
